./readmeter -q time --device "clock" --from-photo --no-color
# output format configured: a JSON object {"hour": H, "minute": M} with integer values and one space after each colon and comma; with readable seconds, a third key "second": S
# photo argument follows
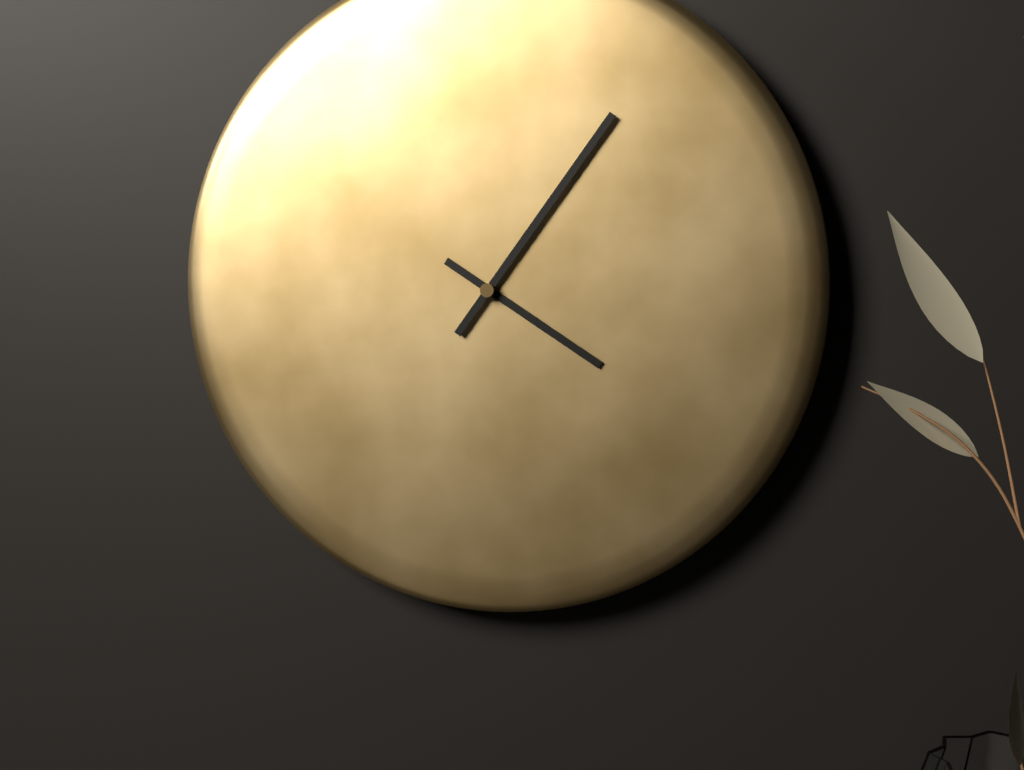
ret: {"hour": 4, "minute": 6}
